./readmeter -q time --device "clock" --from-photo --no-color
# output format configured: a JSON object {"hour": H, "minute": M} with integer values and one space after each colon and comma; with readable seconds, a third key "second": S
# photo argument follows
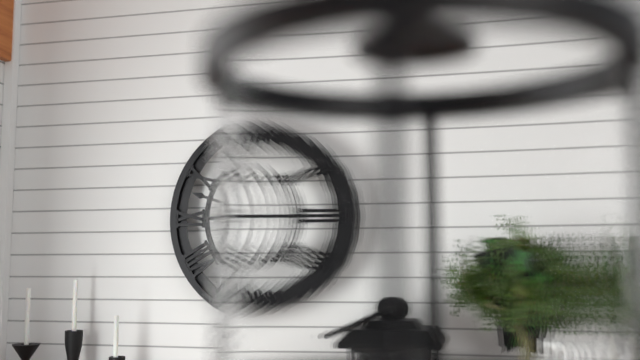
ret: {"hour": 6, "minute": 48}
